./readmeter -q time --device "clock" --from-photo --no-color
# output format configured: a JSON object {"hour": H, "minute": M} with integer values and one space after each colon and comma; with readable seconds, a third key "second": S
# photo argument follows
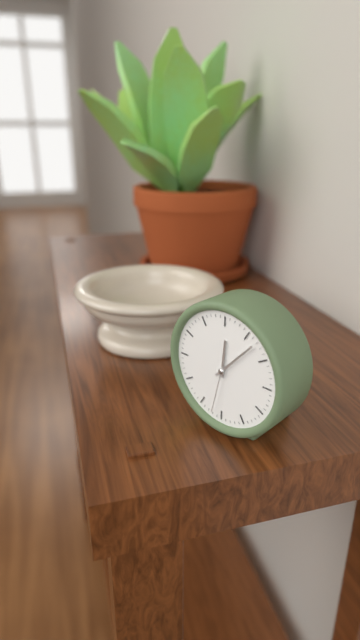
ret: {"hour": 12, "minute": 7, "second": 32}
